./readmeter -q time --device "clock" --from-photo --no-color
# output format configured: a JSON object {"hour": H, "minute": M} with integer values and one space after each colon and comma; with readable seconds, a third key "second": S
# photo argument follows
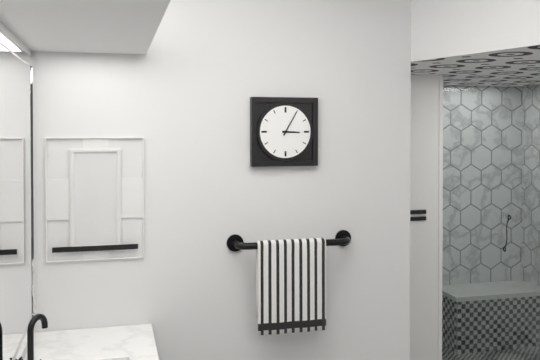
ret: {"hour": 3, "minute": 5}
